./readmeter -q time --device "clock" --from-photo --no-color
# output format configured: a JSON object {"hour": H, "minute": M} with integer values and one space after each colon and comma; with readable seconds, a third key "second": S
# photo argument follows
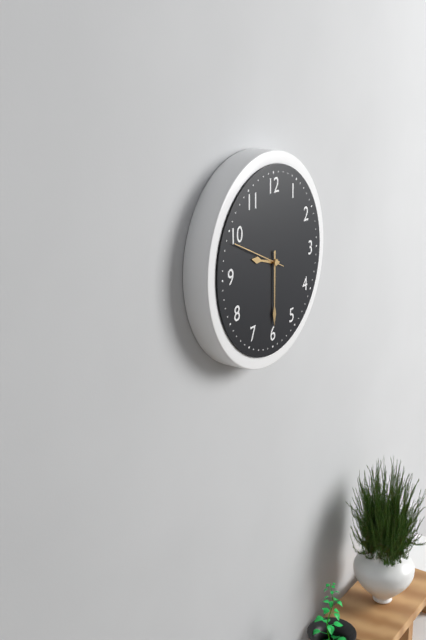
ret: {"hour": 9, "minute": 30, "second": 49}
